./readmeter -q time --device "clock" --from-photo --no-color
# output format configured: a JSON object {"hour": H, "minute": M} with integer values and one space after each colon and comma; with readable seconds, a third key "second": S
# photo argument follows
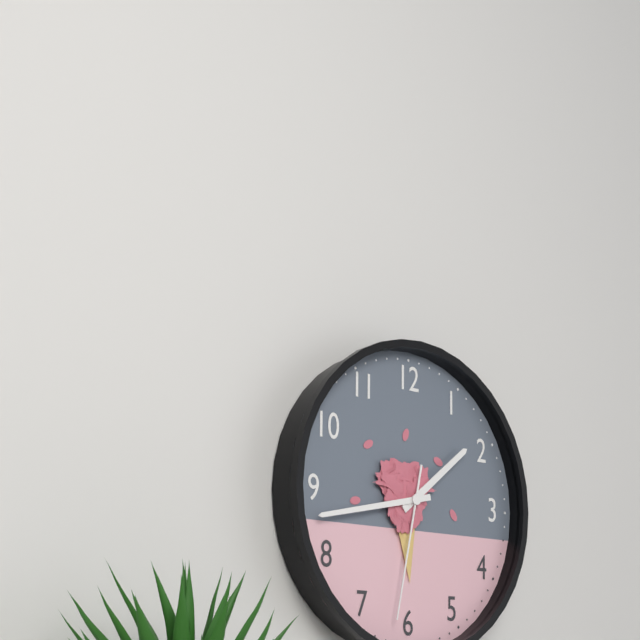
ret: {"hour": 1, "minute": 43, "second": 32}
